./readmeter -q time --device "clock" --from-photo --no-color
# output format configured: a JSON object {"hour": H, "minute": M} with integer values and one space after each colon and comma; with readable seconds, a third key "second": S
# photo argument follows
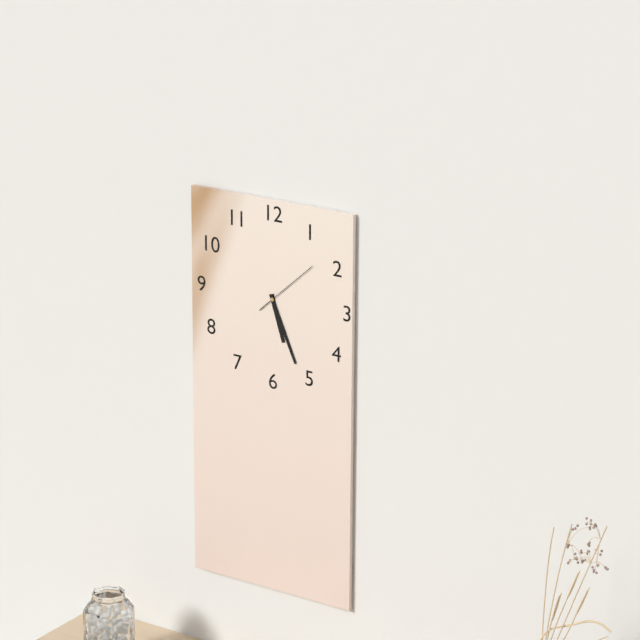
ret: {"hour": 5, "minute": 26, "second": 8}
